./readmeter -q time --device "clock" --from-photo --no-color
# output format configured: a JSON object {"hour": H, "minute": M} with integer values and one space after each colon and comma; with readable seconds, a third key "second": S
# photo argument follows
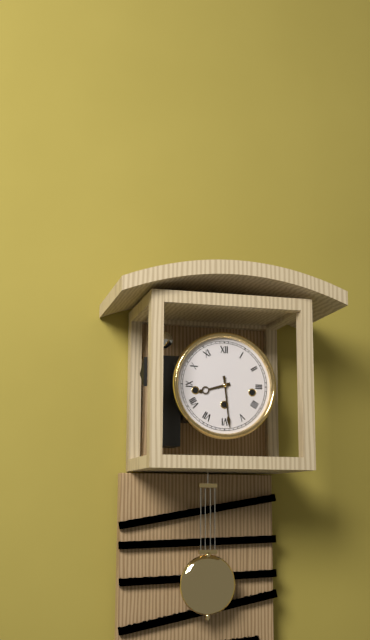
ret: {"hour": 8, "minute": 29}
